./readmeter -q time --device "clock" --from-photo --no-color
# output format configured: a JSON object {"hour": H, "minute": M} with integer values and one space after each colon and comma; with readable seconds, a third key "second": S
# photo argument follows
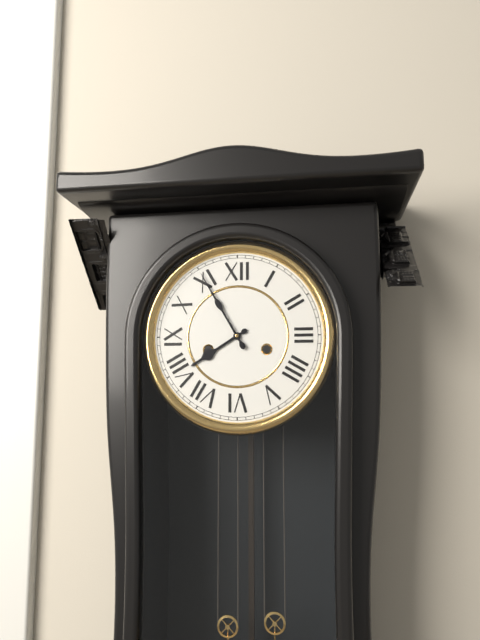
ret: {"hour": 7, "minute": 55}
